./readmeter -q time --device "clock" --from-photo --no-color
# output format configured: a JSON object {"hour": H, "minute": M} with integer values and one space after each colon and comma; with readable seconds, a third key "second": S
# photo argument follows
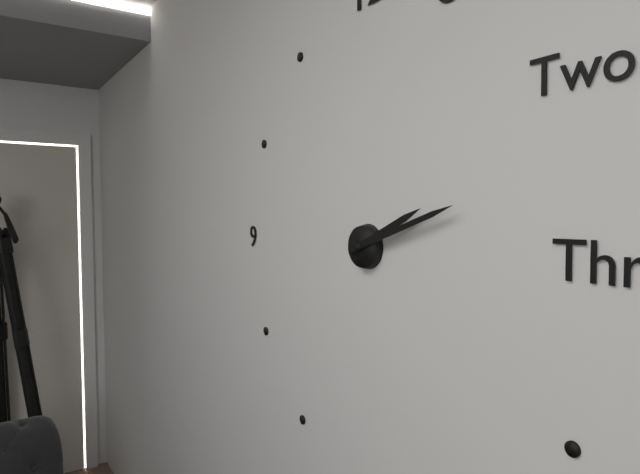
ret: {"hour": 2, "minute": 12}
